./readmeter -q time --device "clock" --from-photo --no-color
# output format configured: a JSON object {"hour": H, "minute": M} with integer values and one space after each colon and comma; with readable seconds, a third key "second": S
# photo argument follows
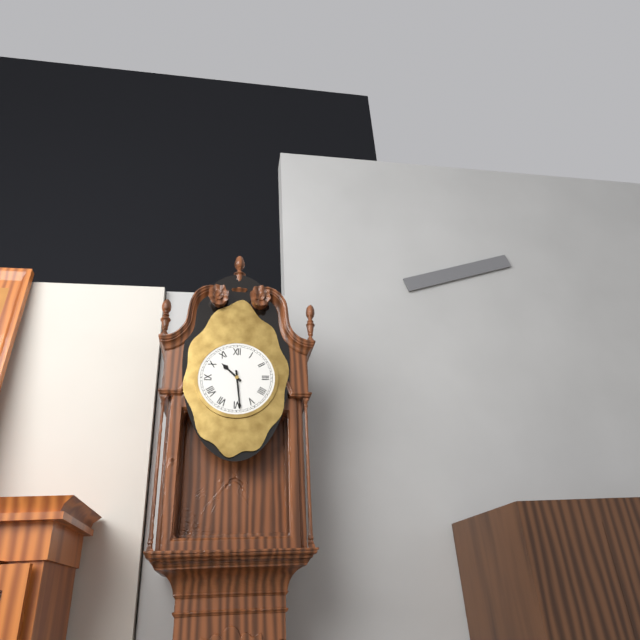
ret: {"hour": 10, "minute": 29}
